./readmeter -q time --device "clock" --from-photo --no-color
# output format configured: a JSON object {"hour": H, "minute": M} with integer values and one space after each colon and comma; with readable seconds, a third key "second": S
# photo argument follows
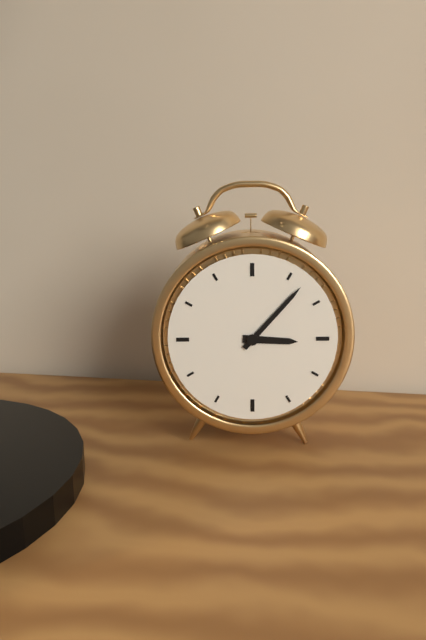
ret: {"hour": 3, "minute": 7}
